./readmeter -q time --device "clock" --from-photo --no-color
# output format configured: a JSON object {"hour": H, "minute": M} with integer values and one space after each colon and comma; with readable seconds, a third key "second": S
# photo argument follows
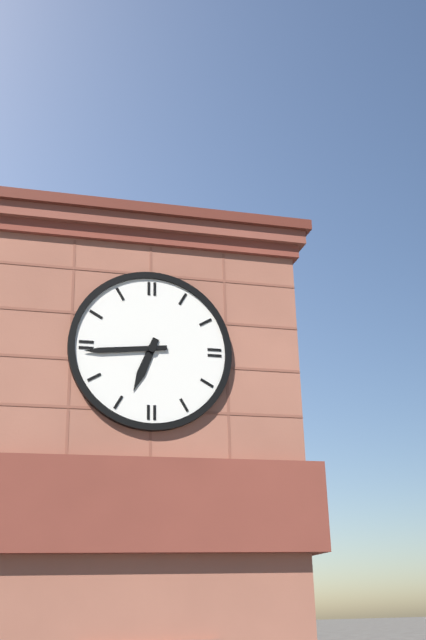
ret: {"hour": 6, "minute": 44}
